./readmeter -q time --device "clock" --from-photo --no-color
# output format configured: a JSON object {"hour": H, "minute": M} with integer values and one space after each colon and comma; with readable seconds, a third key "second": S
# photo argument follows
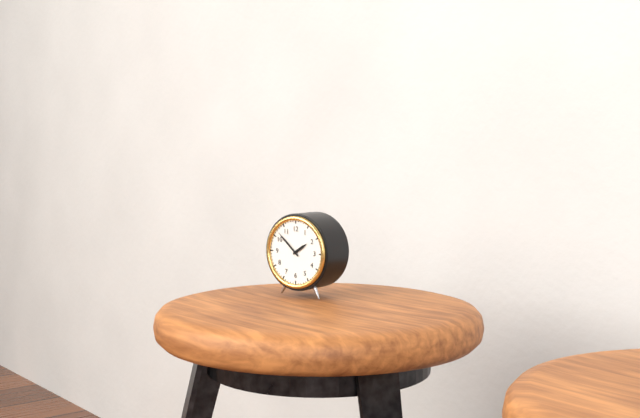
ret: {"hour": 1, "minute": 52}
